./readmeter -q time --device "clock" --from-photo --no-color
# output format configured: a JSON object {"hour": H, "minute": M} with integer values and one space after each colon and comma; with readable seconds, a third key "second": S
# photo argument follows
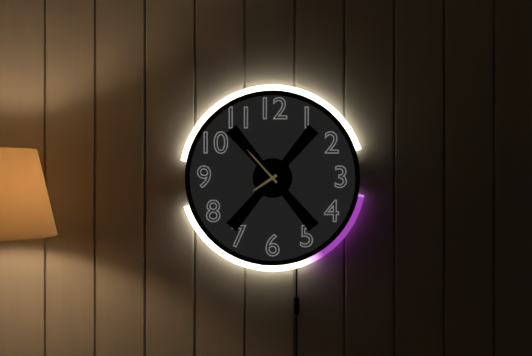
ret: {"hour": 7, "minute": 53}
